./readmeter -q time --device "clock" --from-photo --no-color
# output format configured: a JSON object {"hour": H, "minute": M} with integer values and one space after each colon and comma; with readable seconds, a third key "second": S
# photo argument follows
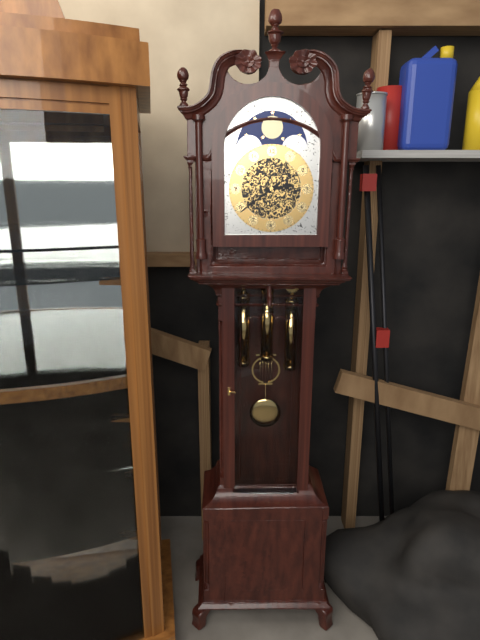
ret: {"hour": 2, "minute": 39}
